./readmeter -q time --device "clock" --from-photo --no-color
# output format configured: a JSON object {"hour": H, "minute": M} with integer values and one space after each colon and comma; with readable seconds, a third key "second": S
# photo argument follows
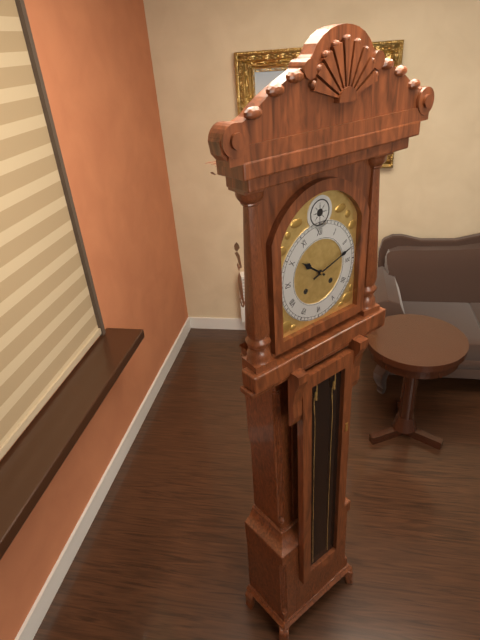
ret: {"hour": 10, "minute": 12}
